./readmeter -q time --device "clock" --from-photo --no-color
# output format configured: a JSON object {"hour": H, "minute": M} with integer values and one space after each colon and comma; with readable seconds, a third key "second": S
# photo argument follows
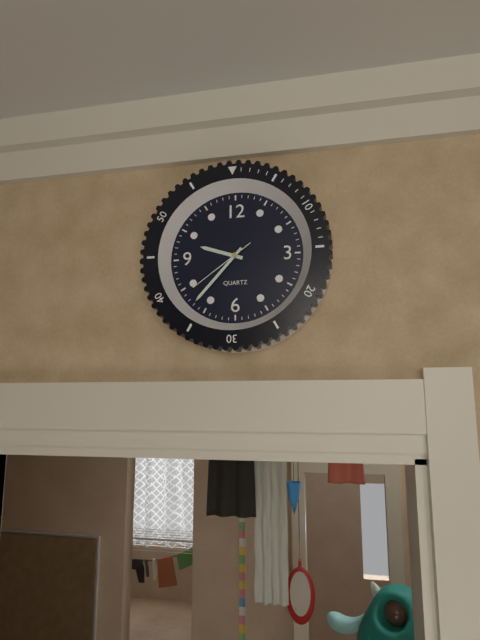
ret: {"hour": 9, "minute": 37, "second": 39}
